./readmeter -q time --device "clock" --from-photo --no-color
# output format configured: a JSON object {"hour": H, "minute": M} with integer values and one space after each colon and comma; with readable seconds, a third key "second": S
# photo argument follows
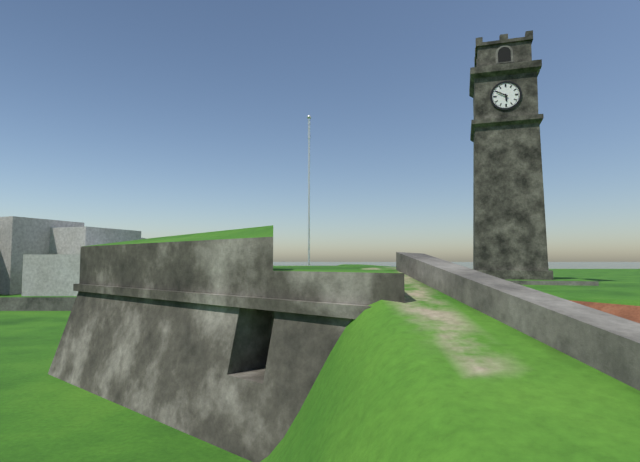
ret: {"hour": 5, "minute": 50}
